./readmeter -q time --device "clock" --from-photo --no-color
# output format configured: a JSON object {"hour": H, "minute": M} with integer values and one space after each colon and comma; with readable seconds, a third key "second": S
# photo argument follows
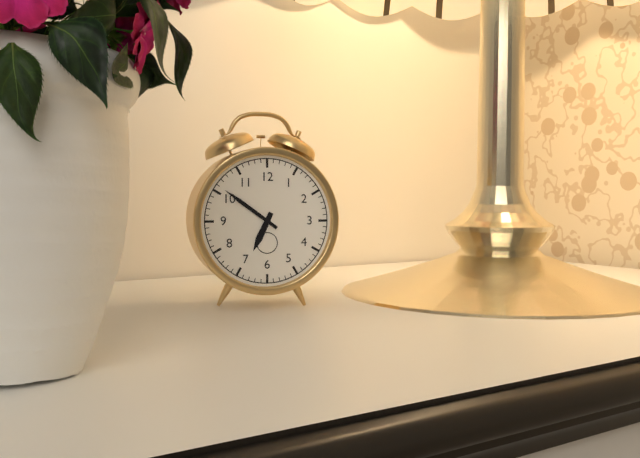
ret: {"hour": 6, "minute": 51}
